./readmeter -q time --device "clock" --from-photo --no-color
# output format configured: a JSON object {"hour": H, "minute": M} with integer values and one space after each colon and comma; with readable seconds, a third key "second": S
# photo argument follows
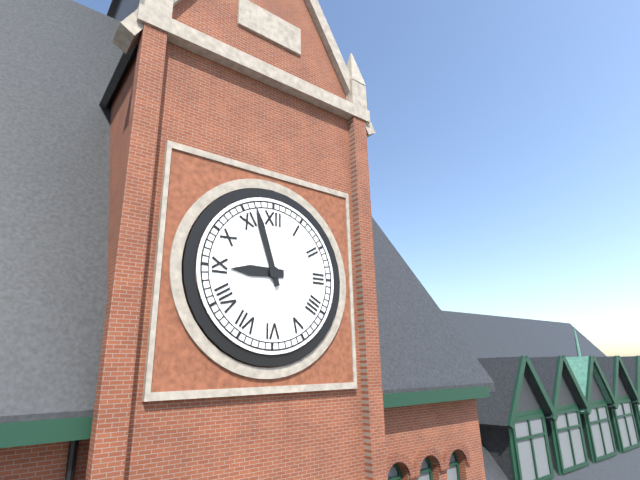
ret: {"hour": 8, "minute": 57}
